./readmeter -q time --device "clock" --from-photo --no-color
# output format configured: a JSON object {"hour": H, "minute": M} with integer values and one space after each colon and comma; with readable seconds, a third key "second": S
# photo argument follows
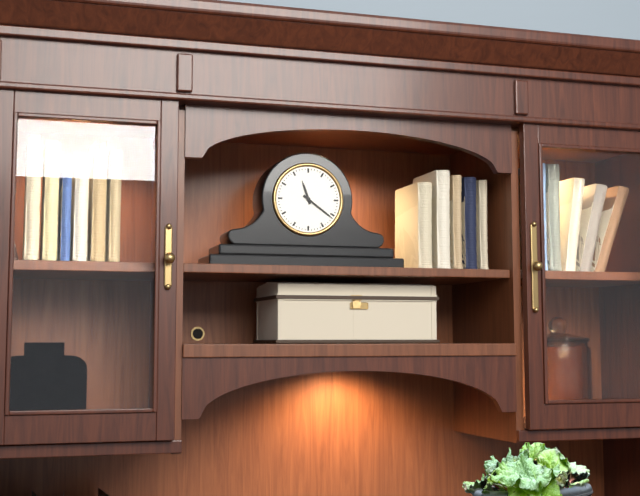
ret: {"hour": 11, "minute": 21}
